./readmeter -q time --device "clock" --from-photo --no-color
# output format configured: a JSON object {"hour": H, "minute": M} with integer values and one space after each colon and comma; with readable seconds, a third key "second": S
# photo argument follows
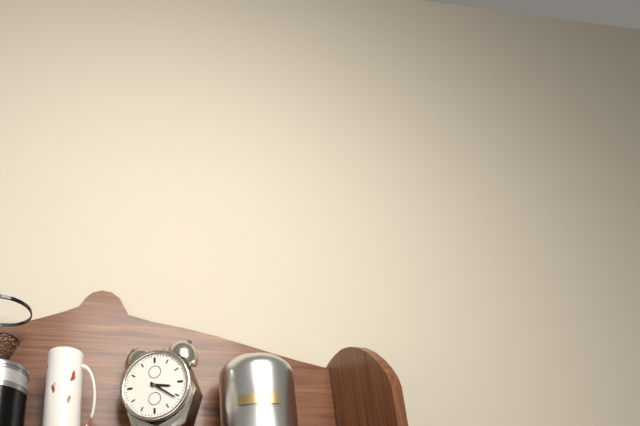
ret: {"hour": 3, "minute": 21}
